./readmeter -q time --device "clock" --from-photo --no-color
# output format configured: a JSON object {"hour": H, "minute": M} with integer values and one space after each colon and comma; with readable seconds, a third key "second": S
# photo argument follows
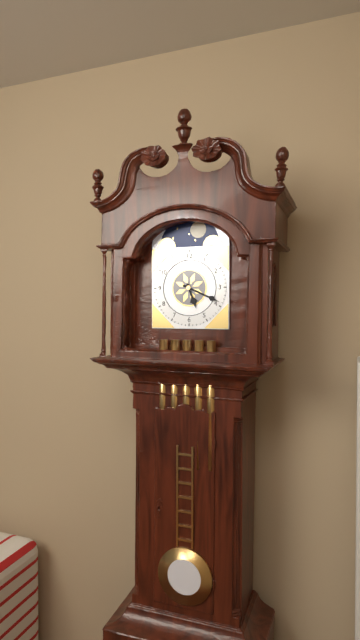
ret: {"hour": 5, "minute": 19}
